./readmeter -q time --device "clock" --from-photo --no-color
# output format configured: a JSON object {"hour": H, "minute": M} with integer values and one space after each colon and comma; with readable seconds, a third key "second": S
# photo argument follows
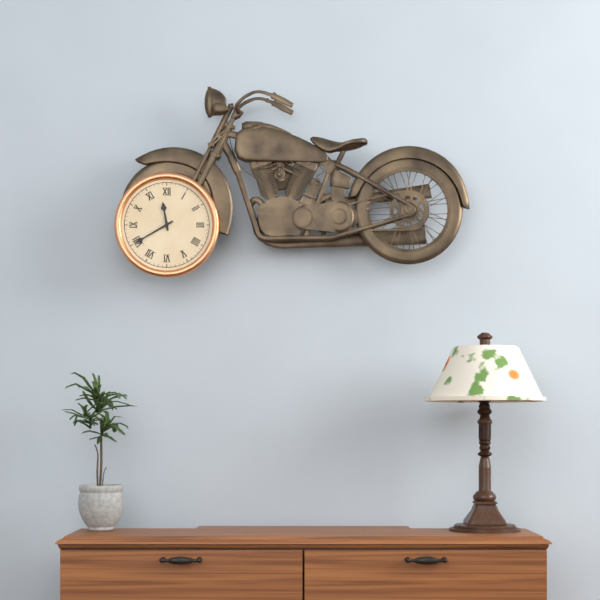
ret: {"hour": 11, "minute": 40}
